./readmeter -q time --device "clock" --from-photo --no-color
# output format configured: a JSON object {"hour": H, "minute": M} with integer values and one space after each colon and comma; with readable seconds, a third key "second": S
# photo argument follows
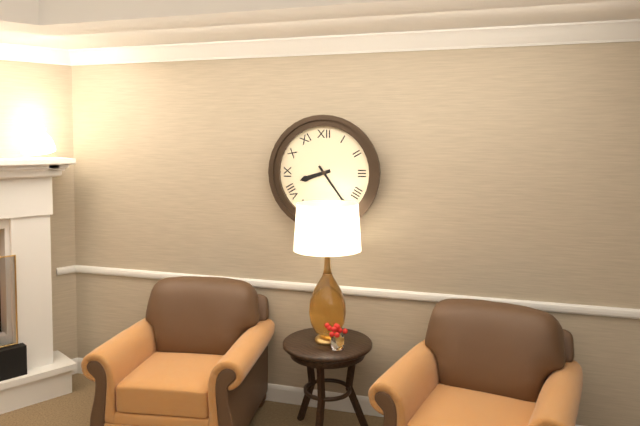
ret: {"hour": 8, "minute": 24}
